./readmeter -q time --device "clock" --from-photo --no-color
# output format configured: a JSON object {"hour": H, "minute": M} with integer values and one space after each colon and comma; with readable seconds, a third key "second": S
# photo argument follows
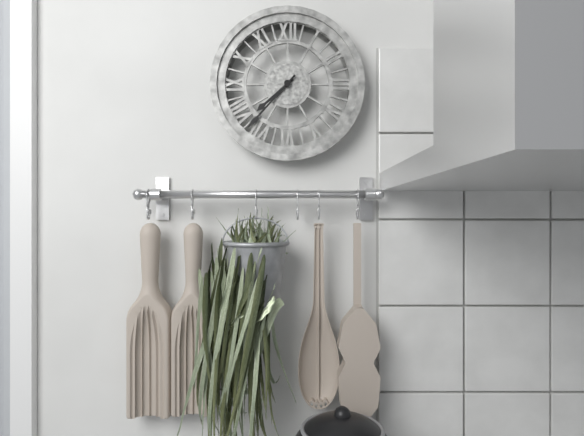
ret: {"hour": 7, "minute": 37}
